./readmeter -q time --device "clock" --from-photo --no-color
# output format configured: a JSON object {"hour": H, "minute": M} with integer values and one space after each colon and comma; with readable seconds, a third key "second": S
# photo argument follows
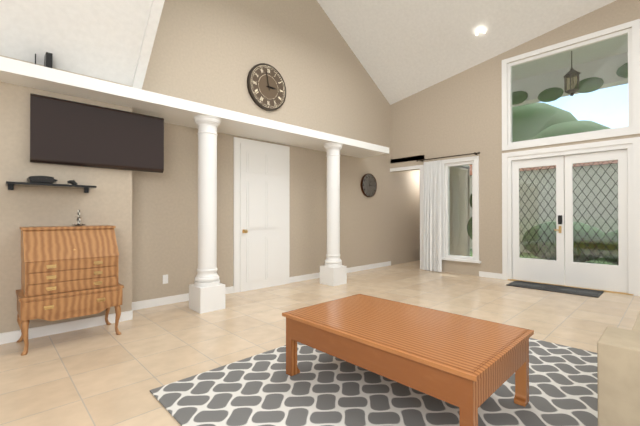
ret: {"hour": 2, "minute": 58}
